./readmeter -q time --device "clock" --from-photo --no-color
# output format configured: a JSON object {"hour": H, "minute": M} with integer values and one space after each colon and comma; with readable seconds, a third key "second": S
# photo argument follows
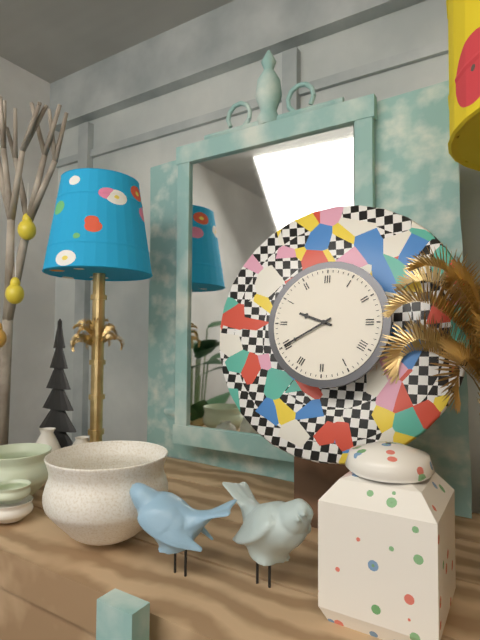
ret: {"hour": 9, "minute": 40}
